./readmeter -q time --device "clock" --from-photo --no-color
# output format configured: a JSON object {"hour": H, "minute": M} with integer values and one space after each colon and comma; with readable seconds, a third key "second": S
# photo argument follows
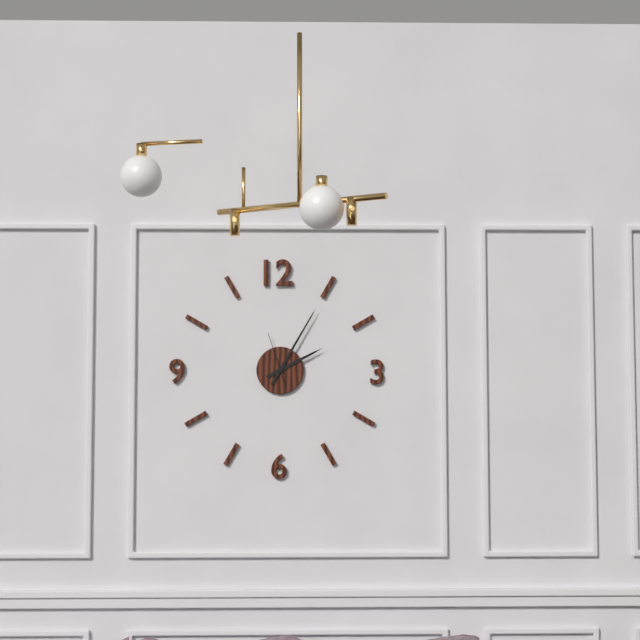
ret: {"hour": 2, "minute": 5}
